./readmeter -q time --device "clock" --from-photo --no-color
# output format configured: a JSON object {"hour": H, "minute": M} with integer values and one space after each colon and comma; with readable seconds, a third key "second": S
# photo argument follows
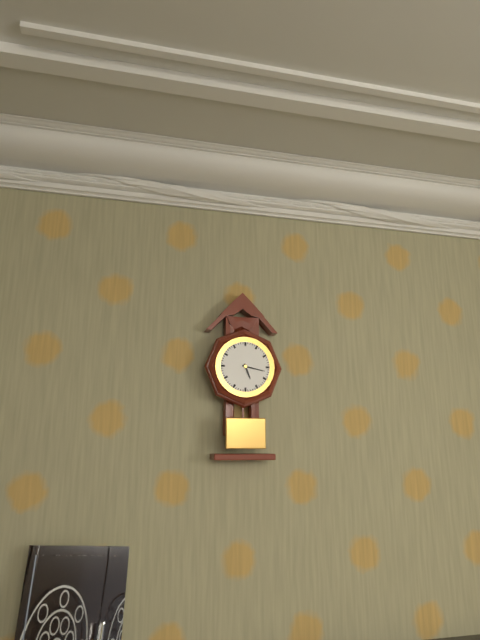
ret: {"hour": 5, "minute": 17}
